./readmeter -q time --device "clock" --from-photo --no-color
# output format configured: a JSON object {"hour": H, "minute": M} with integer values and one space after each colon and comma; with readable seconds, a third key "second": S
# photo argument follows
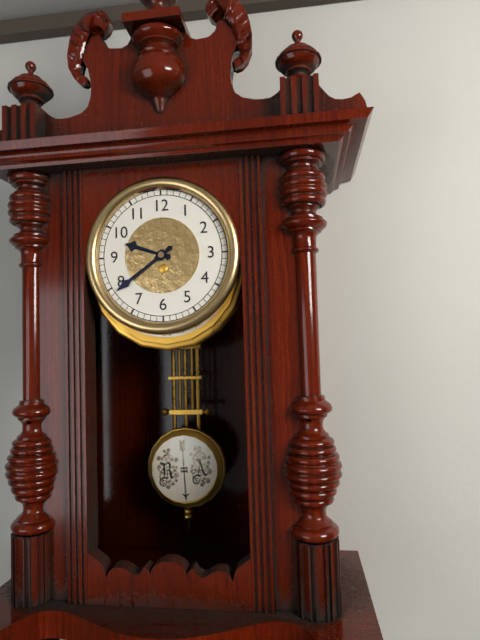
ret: {"hour": 9, "minute": 39}
